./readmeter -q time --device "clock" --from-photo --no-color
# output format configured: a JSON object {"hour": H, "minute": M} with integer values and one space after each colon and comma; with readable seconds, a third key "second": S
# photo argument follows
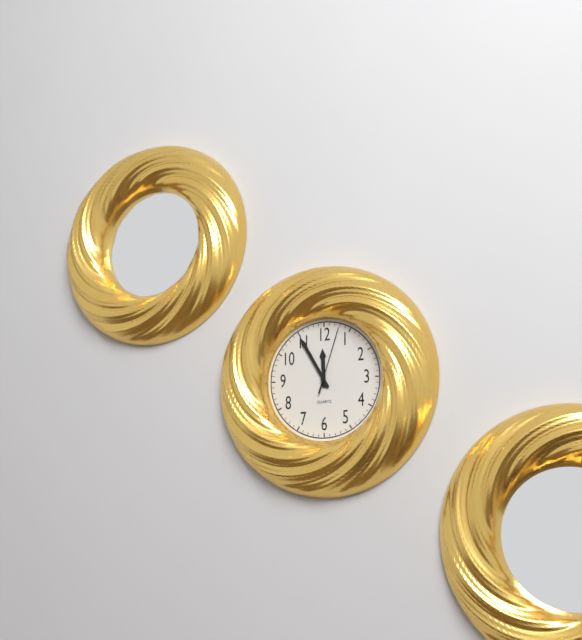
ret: {"hour": 11, "minute": 55, "second": 3}
